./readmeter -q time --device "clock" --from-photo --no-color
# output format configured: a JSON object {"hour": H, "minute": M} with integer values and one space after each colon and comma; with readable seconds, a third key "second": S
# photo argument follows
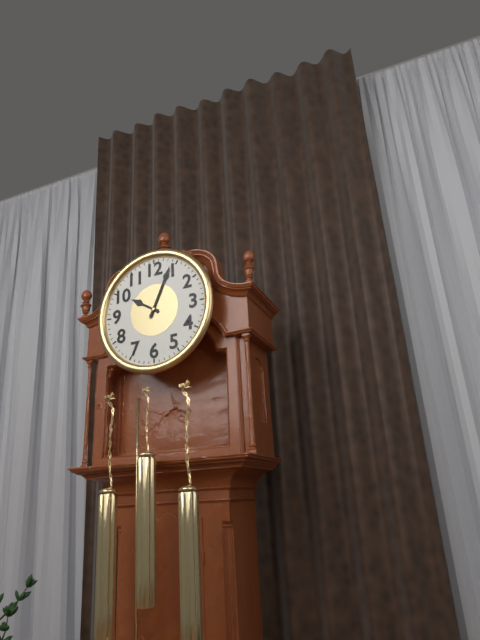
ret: {"hour": 10, "minute": 4}
